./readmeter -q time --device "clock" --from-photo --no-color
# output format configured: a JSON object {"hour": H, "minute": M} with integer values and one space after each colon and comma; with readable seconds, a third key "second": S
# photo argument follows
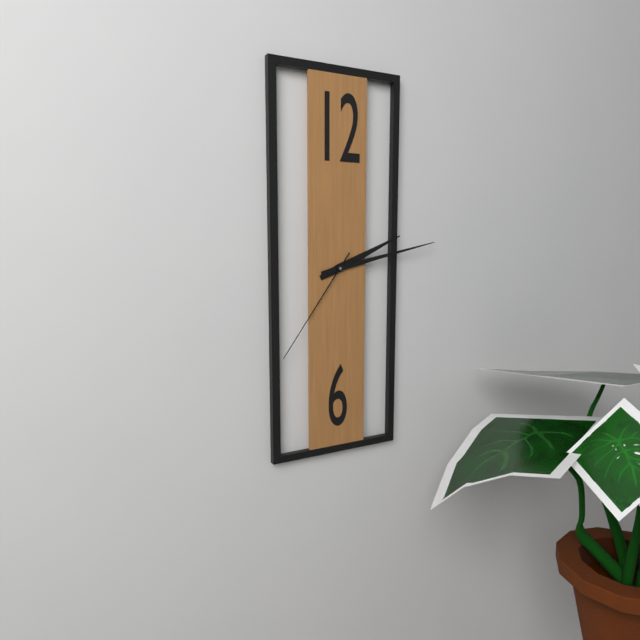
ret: {"hour": 2, "minute": 13, "second": 36}
